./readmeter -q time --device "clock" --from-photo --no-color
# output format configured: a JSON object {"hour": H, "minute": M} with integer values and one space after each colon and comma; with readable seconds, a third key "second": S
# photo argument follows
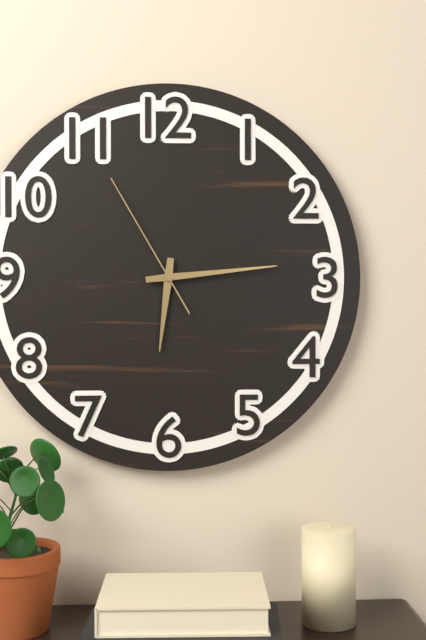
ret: {"hour": 6, "minute": 14, "second": 55}
